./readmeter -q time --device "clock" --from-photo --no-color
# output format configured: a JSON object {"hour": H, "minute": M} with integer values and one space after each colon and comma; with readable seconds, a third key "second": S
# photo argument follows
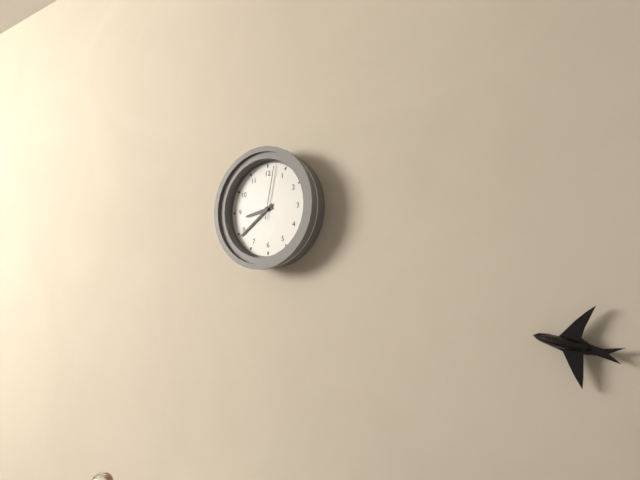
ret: {"hour": 8, "minute": 39, "second": 2}
